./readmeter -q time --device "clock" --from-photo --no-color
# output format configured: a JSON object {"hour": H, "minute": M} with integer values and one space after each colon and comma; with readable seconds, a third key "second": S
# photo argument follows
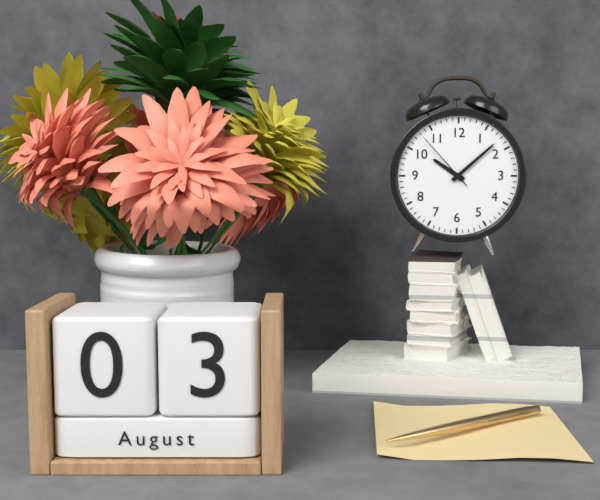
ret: {"hour": 10, "minute": 8, "second": 53}
